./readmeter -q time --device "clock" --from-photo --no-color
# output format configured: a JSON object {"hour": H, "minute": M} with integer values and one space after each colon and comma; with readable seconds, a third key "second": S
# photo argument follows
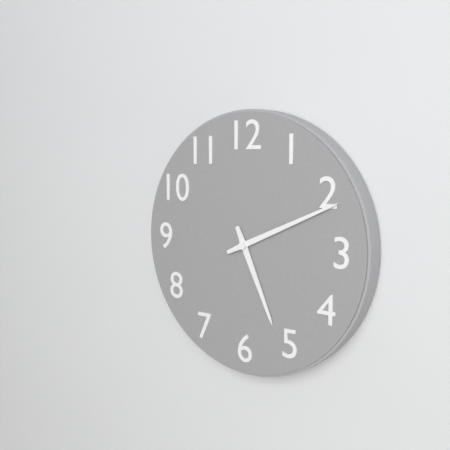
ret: {"hour": 5, "minute": 11}
